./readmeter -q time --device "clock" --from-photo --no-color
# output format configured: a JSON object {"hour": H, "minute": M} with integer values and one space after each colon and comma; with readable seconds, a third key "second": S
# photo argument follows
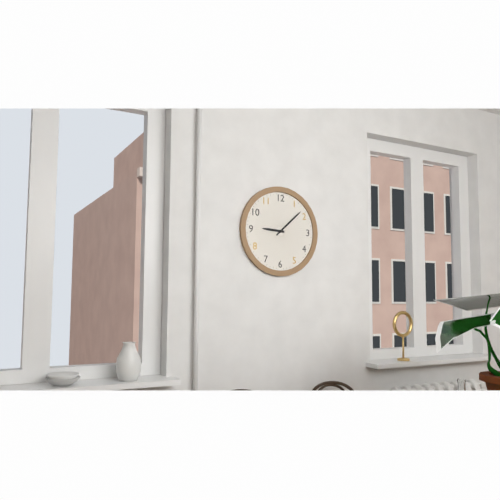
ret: {"hour": 9, "minute": 8}
